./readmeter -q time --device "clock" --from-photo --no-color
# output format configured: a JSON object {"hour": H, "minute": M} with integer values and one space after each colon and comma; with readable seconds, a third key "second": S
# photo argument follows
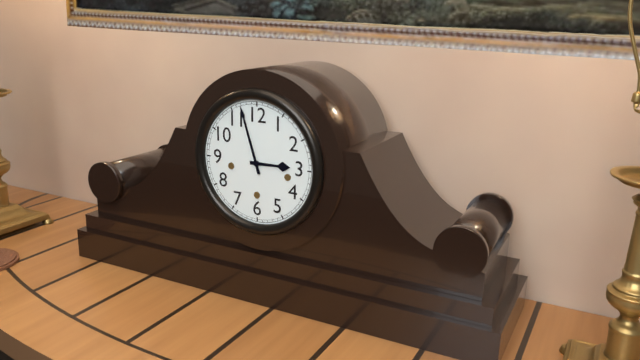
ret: {"hour": 2, "minute": 57}
